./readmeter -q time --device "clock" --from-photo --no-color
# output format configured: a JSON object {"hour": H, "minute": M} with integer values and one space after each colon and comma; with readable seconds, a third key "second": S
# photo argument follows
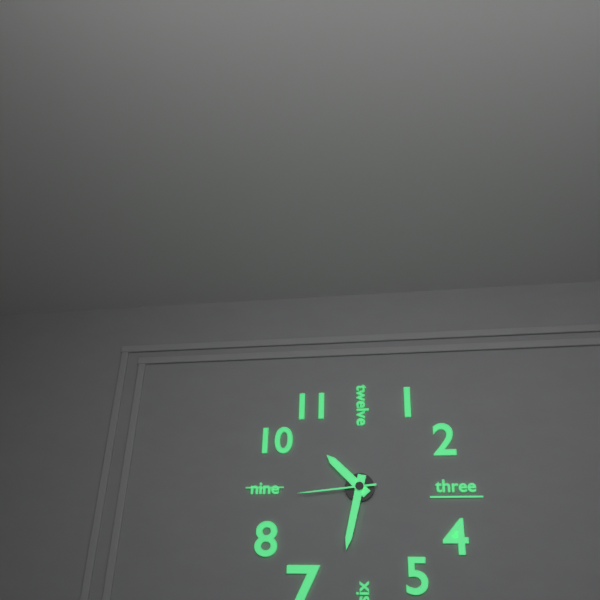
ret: {"hour": 10, "minute": 32, "second": 44}
